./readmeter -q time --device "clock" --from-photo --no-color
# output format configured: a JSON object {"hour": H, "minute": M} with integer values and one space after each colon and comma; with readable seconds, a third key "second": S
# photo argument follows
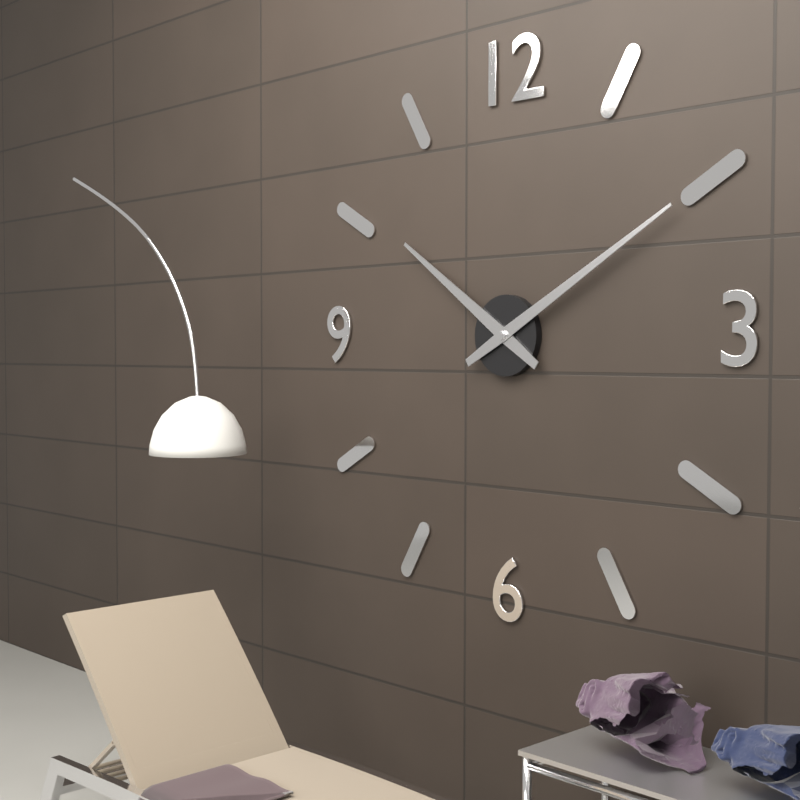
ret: {"hour": 10, "minute": 10}
